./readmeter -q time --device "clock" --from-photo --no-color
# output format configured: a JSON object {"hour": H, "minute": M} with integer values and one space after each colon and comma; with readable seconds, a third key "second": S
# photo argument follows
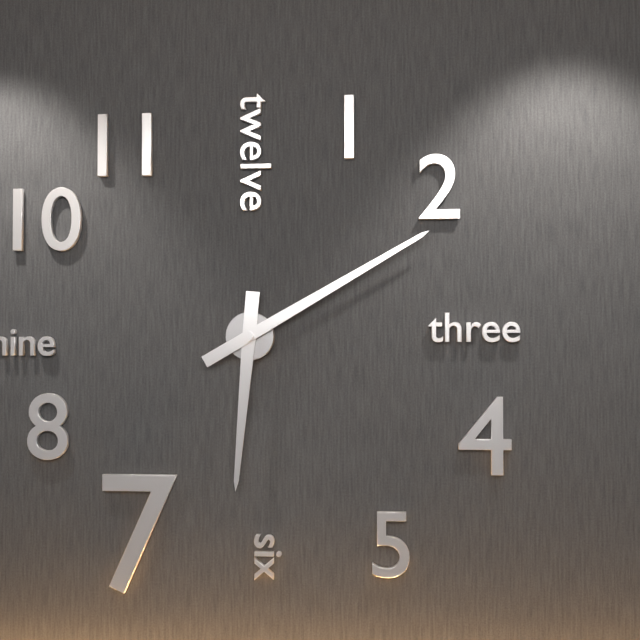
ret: {"hour": 6, "minute": 10}
